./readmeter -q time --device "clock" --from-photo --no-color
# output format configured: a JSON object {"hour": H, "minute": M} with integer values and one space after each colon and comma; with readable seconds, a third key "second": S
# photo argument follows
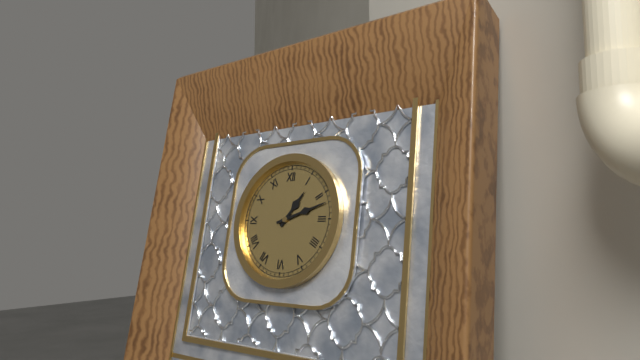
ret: {"hour": 1, "minute": 12}
